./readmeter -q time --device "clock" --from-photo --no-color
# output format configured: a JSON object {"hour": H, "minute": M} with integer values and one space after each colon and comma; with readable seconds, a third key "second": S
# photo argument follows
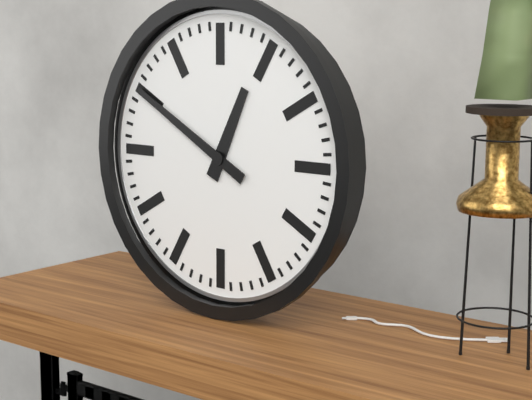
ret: {"hour": 12, "minute": 50}
